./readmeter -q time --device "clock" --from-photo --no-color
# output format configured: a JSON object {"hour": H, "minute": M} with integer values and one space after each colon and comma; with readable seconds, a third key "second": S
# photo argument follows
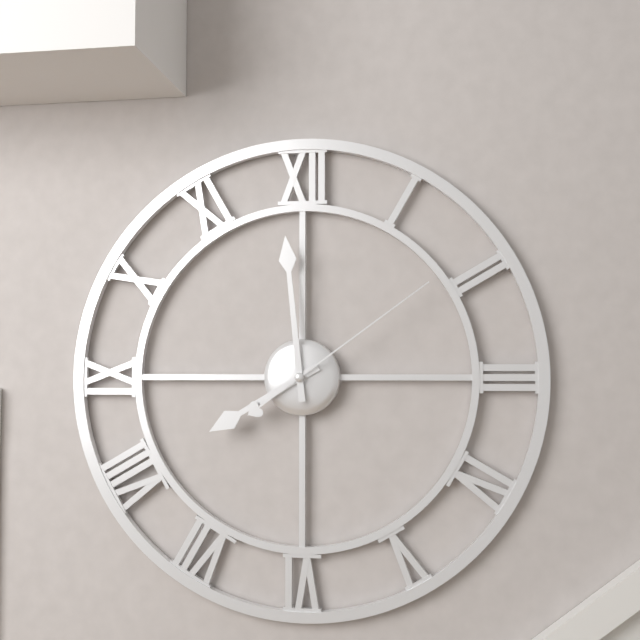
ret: {"hour": 7, "minute": 59, "second": 9}
